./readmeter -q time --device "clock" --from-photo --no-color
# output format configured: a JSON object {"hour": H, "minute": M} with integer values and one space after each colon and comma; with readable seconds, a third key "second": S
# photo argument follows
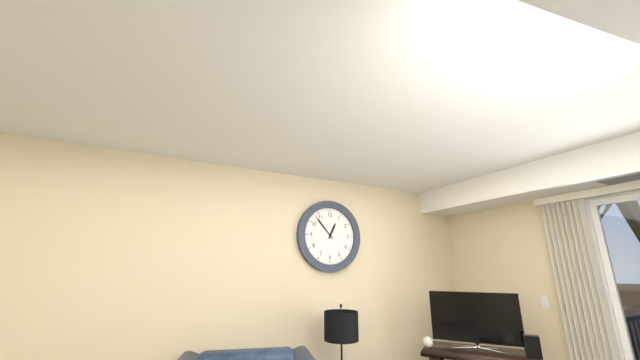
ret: {"hour": 12, "minute": 53}
